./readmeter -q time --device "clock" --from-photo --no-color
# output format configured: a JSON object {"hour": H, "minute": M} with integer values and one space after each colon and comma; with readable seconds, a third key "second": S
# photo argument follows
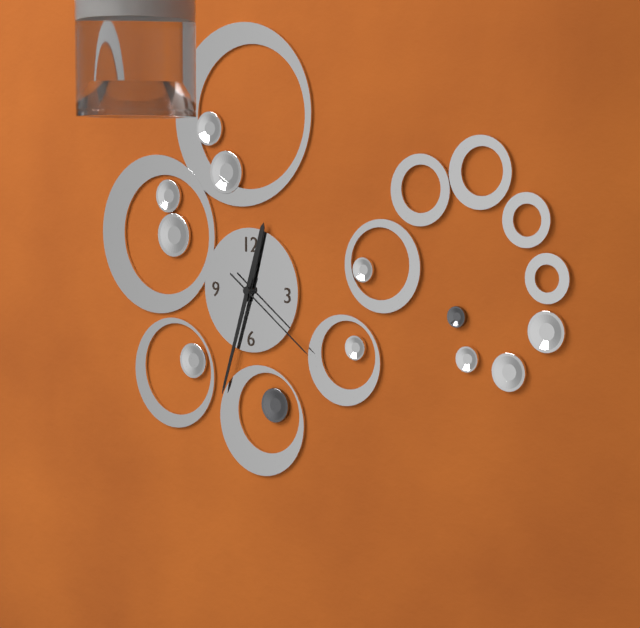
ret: {"hour": 12, "minute": 33, "second": 21}
